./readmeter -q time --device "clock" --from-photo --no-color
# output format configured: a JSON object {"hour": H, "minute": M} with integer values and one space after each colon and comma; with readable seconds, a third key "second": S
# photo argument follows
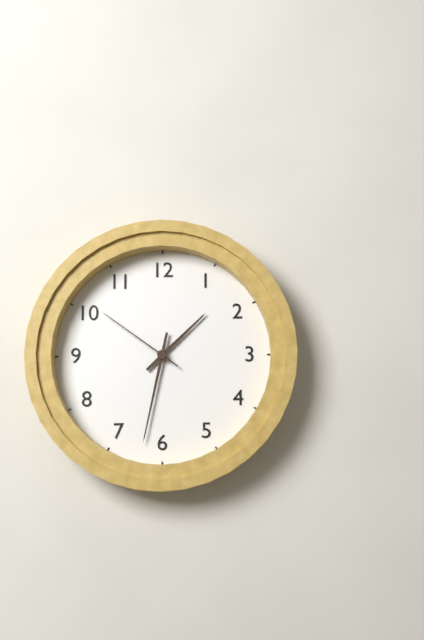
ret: {"hour": 1, "minute": 32, "second": 51}
